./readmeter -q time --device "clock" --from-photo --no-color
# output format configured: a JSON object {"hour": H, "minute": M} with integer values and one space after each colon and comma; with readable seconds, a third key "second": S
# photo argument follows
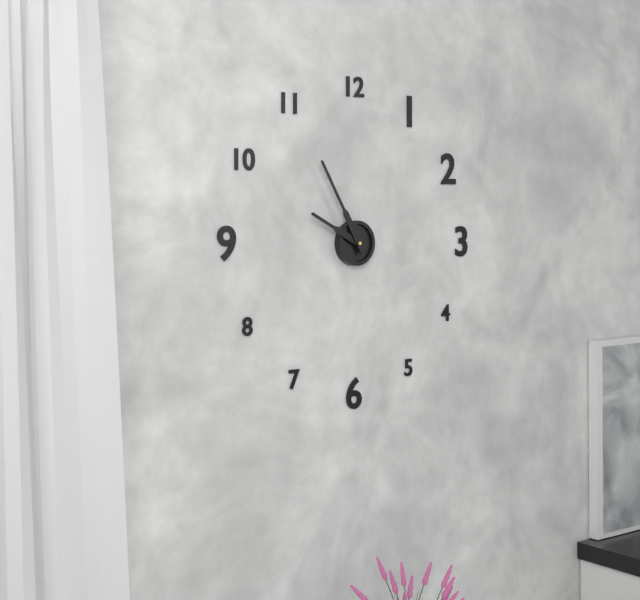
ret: {"hour": 9, "minute": 55}
